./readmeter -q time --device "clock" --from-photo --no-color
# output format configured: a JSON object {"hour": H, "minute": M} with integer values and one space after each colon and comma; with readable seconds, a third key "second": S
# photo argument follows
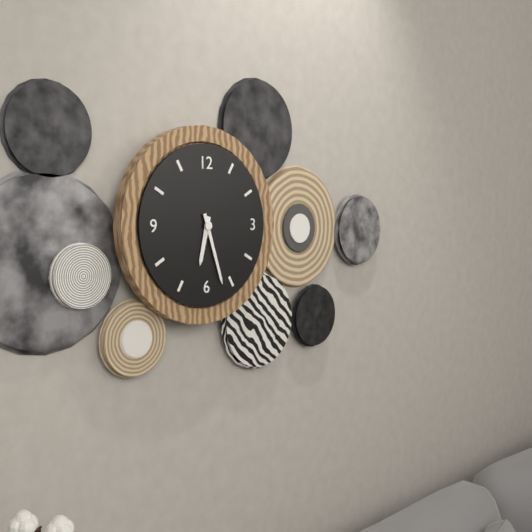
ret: {"hour": 6, "minute": 27}
